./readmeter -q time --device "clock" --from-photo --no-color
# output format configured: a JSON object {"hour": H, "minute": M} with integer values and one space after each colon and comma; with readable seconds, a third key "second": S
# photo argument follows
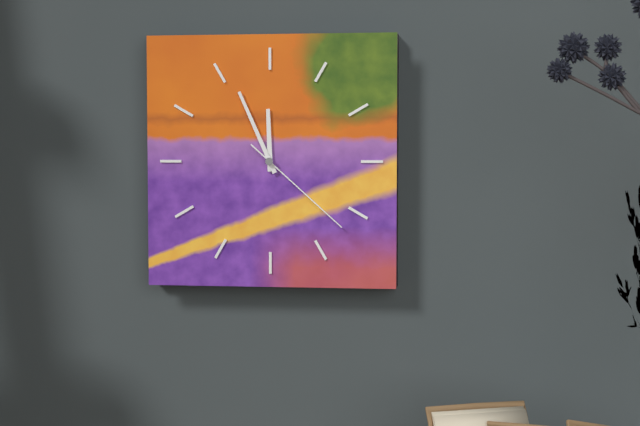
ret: {"hour": 11, "minute": 56, "second": 22}
